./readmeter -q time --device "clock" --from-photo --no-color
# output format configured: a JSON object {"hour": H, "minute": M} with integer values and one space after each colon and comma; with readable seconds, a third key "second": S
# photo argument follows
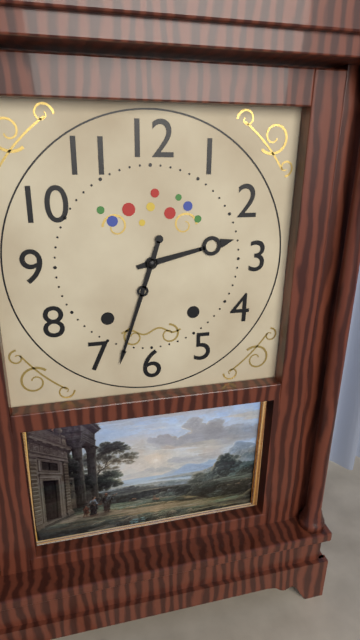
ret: {"hour": 2, "minute": 33}
